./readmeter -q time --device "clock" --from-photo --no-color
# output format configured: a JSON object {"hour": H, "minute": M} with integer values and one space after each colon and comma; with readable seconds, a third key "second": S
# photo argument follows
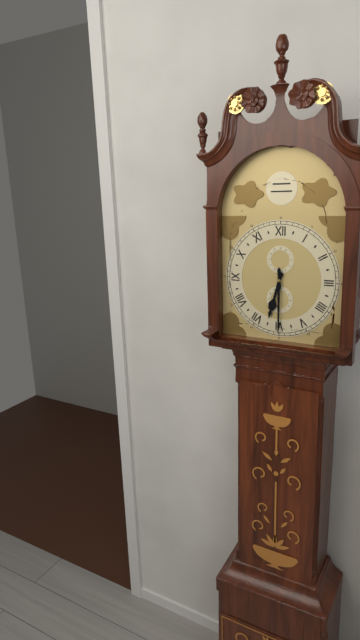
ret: {"hour": 6, "minute": 30}
